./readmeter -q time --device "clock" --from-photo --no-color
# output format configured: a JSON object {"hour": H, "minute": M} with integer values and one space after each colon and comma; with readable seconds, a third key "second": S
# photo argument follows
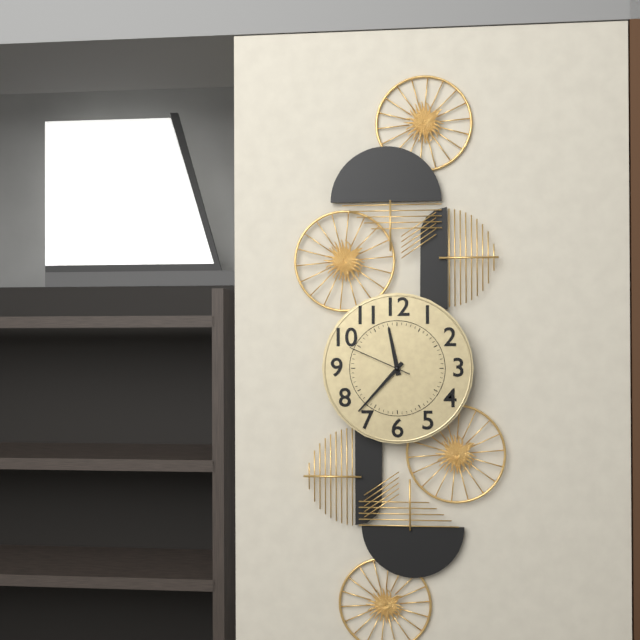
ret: {"hour": 11, "minute": 37, "second": 49}
